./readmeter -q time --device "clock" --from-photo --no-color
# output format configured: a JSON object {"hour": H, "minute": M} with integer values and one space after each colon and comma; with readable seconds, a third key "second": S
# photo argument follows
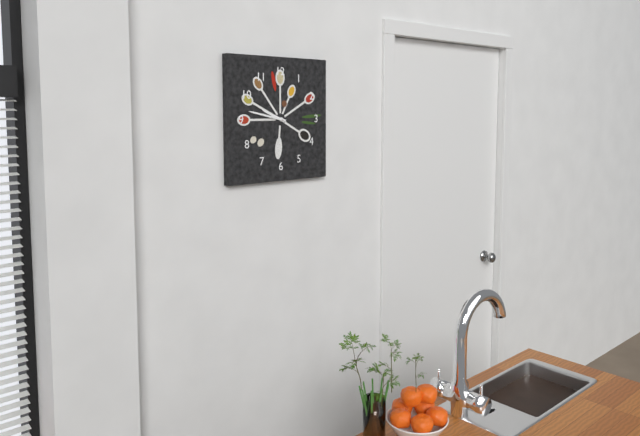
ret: {"hour": 9, "minute": 47}
